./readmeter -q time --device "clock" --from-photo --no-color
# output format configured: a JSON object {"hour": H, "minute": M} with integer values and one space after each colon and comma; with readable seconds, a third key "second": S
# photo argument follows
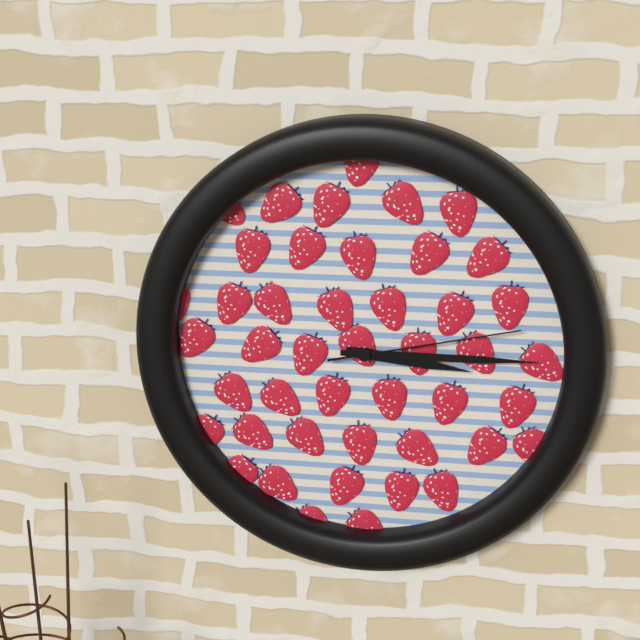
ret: {"hour": 3, "minute": 15, "second": 13}
